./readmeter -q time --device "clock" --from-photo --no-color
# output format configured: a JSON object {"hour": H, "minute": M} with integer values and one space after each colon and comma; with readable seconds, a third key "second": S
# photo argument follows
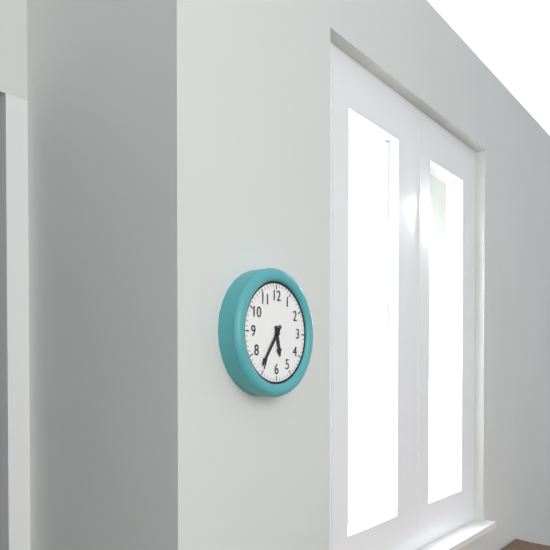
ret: {"hour": 5, "minute": 36}
